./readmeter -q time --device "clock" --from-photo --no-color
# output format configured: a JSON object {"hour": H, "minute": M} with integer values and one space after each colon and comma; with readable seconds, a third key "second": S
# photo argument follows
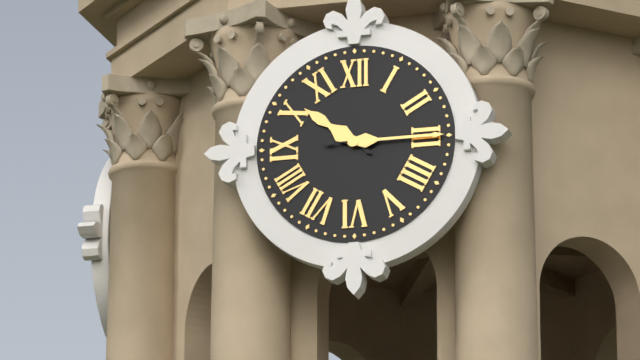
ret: {"hour": 10, "minute": 15}
